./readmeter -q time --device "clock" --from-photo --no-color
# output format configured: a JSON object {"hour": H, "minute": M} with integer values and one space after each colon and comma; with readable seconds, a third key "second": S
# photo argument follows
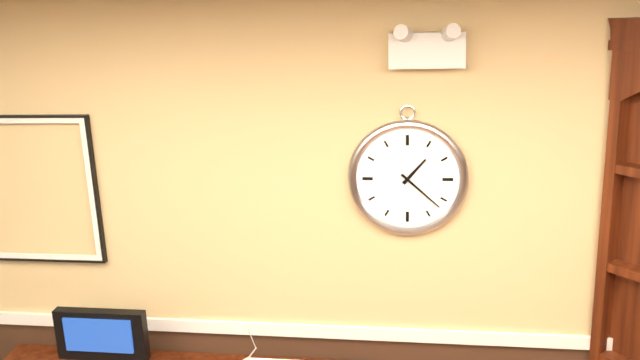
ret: {"hour": 1, "minute": 22}
